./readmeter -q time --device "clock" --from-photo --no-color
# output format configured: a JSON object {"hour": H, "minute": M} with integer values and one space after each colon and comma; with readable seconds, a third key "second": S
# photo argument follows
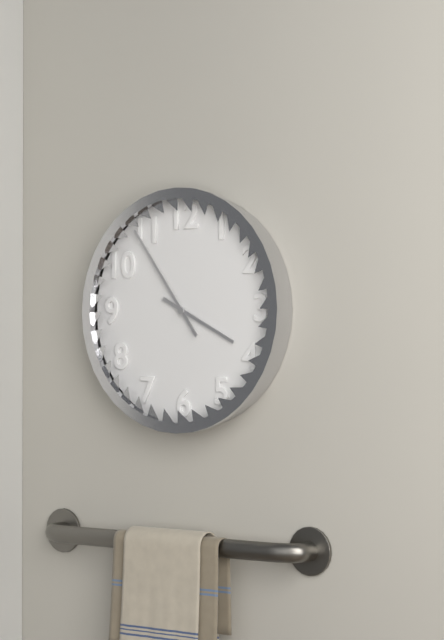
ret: {"hour": 3, "minute": 54}
